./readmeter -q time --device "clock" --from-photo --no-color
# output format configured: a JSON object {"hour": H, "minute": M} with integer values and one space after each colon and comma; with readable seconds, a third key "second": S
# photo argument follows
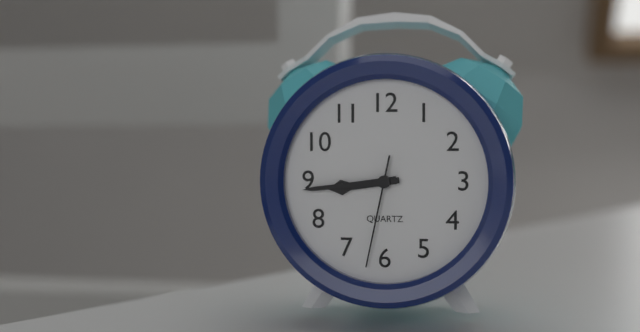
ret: {"hour": 8, "minute": 44, "second": 32}
